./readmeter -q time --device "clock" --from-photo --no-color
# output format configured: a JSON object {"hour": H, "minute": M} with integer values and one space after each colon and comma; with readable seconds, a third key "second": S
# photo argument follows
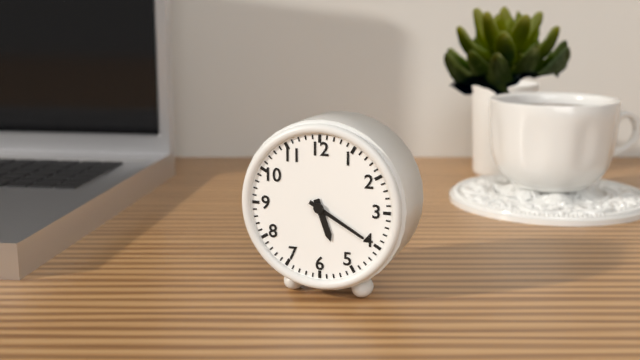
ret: {"hour": 5, "minute": 20}
